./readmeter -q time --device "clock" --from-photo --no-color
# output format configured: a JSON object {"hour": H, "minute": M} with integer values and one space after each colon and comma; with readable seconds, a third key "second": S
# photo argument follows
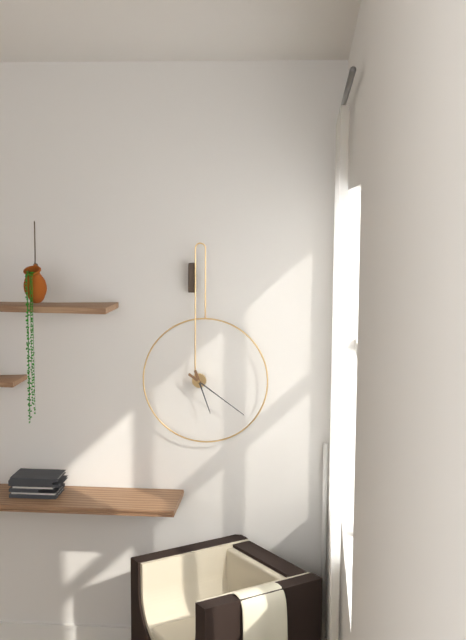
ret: {"hour": 5, "minute": 21}
